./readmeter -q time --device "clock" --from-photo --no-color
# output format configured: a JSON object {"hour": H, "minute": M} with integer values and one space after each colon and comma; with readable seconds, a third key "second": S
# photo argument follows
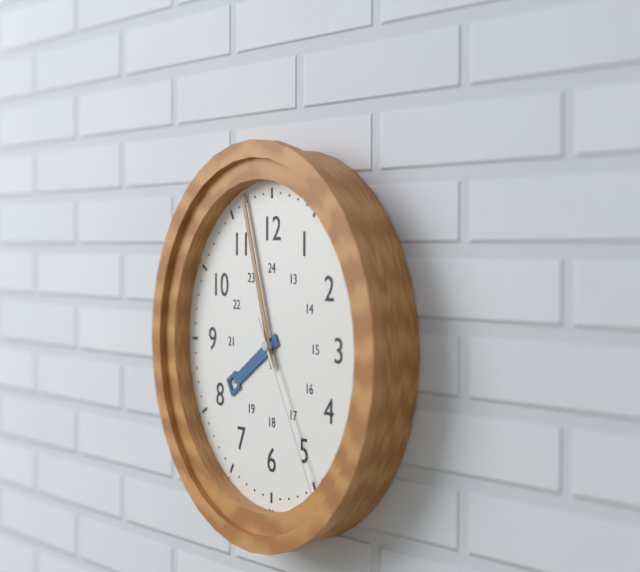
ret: {"hour": 7, "minute": 57, "second": 25}
